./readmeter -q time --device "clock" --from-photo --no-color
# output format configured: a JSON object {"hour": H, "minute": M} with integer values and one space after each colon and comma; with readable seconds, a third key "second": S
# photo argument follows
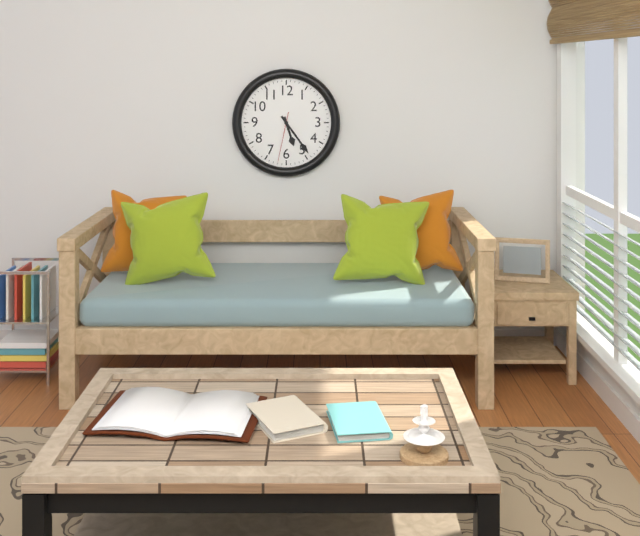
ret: {"hour": 5, "minute": 24, "second": 32}
